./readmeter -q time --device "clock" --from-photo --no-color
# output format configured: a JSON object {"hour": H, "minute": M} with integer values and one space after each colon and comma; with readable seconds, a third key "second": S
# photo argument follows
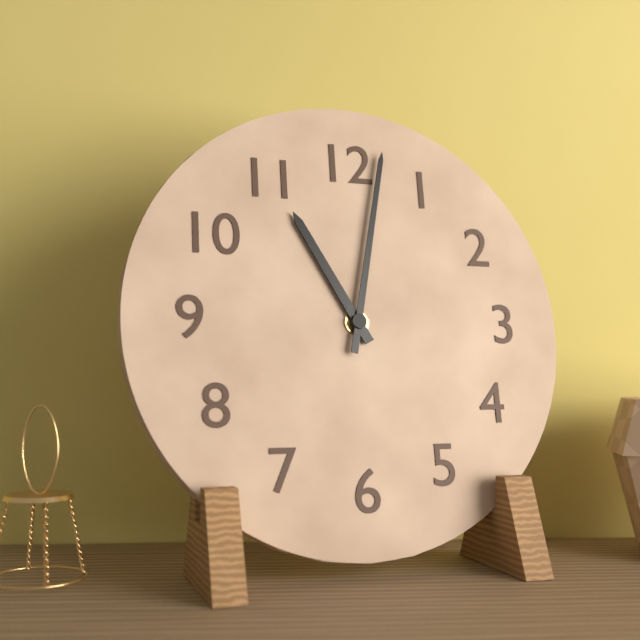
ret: {"hour": 11, "minute": 2}
